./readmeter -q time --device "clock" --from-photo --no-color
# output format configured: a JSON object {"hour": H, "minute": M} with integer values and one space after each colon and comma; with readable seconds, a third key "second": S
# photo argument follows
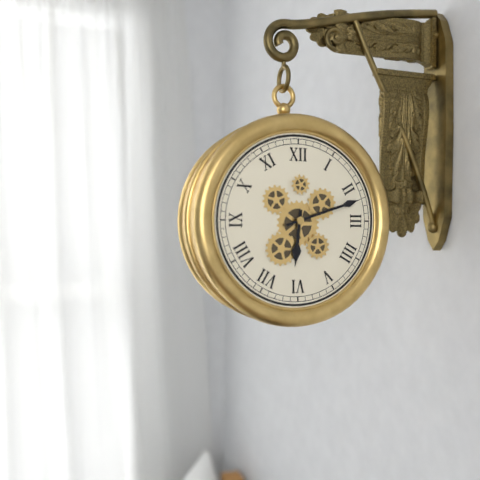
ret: {"hour": 6, "minute": 12}
